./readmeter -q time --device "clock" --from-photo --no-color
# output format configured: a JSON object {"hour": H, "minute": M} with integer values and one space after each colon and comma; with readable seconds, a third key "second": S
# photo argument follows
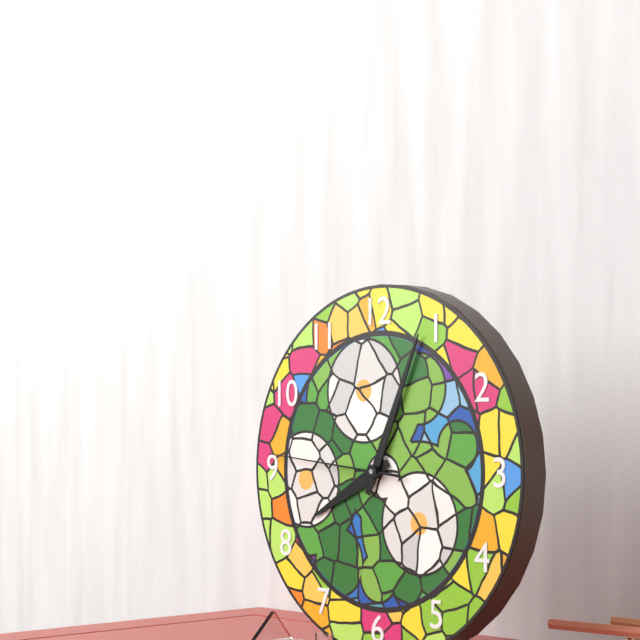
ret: {"hour": 8, "minute": 4, "second": 46}
